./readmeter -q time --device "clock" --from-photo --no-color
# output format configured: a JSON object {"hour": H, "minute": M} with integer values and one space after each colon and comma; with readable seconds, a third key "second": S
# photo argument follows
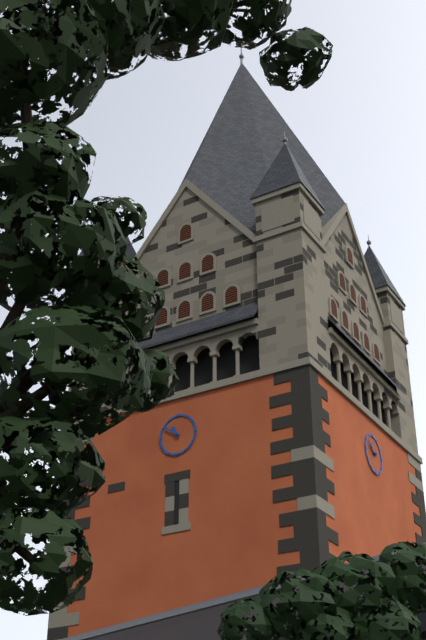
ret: {"hour": 10, "minute": 51}
